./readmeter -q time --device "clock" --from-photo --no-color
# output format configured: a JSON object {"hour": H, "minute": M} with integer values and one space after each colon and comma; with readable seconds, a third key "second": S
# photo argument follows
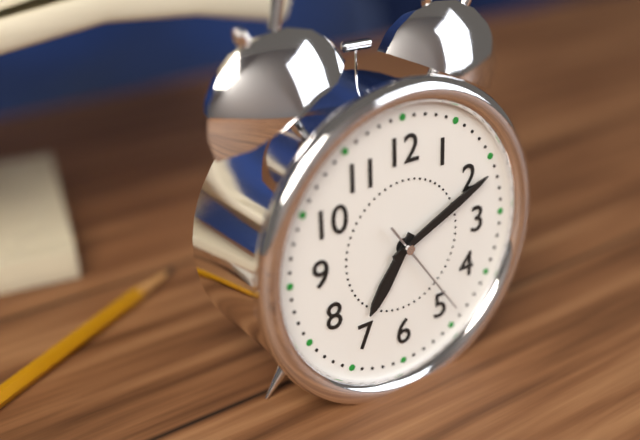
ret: {"hour": 7, "minute": 11, "second": 24}
